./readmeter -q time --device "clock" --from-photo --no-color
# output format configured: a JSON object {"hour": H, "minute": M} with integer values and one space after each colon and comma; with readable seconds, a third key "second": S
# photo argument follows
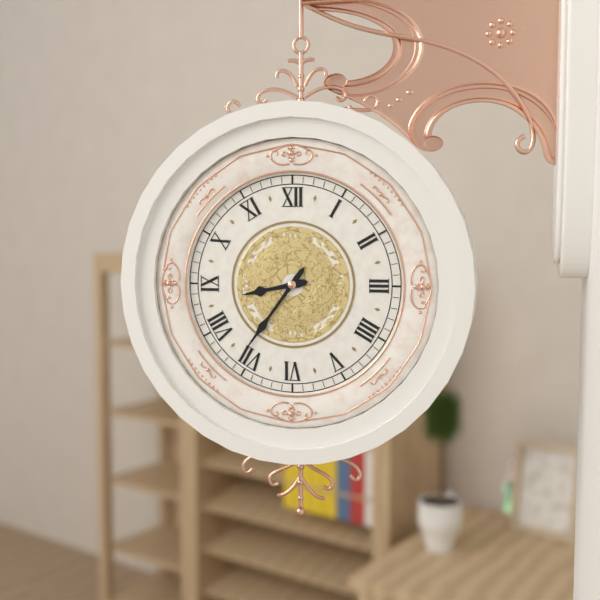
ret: {"hour": 8, "minute": 36}
